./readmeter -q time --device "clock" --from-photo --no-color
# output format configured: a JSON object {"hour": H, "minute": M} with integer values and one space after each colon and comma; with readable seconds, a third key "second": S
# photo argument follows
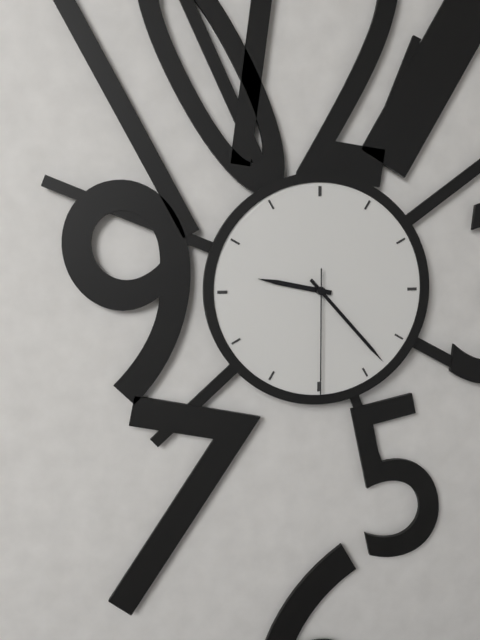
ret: {"hour": 9, "minute": 23, "second": 30}
